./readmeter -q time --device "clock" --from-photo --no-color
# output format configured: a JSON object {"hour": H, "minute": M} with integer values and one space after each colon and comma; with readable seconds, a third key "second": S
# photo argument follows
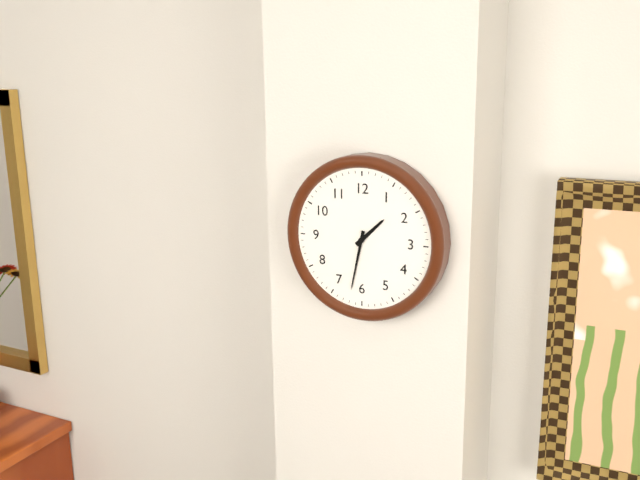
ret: {"hour": 1, "minute": 32}
